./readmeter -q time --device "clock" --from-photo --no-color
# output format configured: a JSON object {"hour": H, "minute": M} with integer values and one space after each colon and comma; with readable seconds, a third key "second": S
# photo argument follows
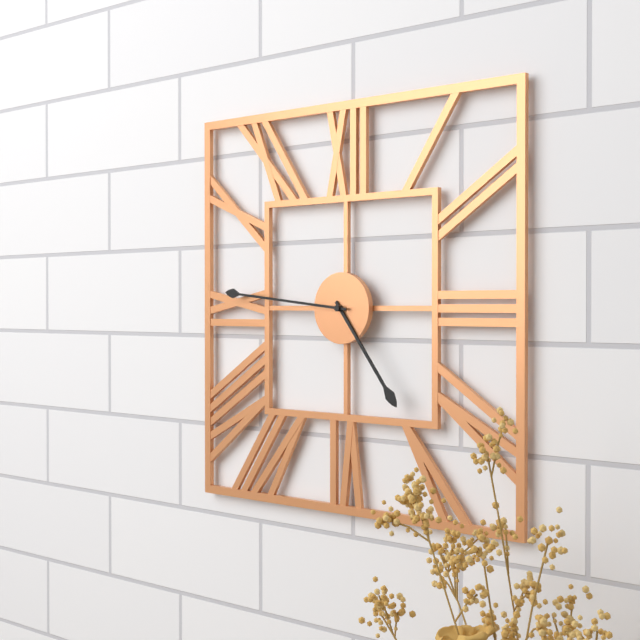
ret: {"hour": 4, "minute": 46}
